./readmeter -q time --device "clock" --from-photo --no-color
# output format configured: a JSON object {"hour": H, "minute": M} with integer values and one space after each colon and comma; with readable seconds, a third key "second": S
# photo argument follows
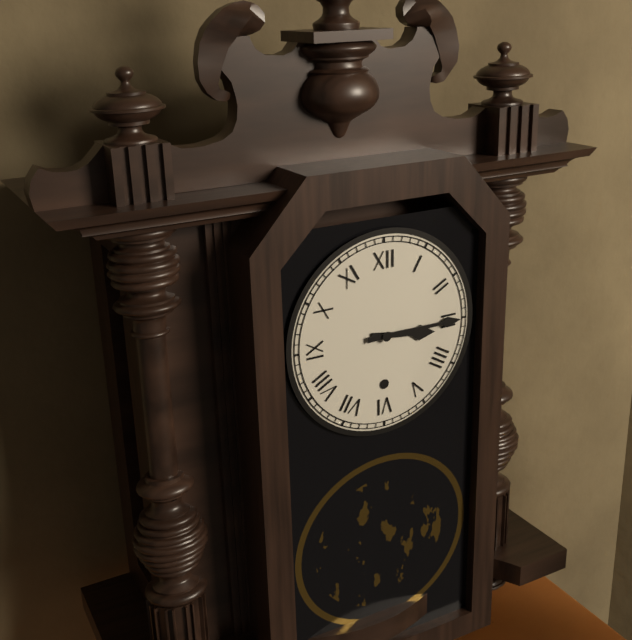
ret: {"hour": 3, "minute": 15}
